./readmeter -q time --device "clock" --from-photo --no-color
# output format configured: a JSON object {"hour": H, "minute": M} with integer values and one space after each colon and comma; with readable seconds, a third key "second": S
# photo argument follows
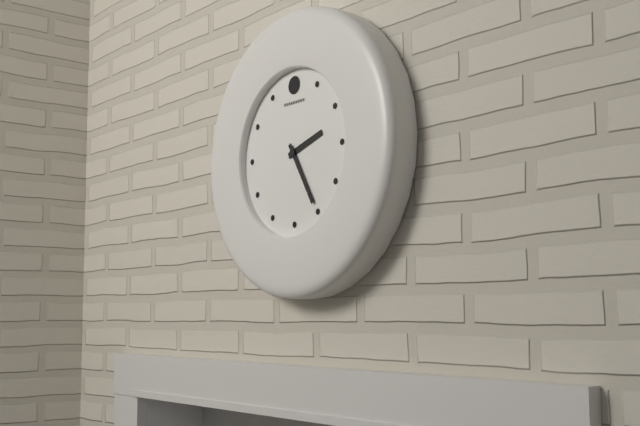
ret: {"hour": 2, "minute": 25}
